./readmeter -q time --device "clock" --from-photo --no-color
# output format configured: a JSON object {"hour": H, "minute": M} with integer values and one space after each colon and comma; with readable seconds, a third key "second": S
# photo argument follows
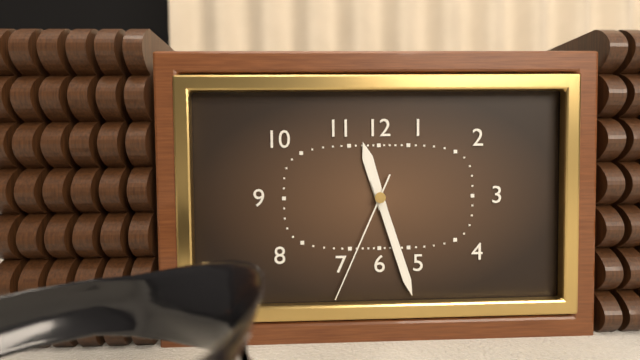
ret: {"hour": 11, "minute": 27, "second": 34}
